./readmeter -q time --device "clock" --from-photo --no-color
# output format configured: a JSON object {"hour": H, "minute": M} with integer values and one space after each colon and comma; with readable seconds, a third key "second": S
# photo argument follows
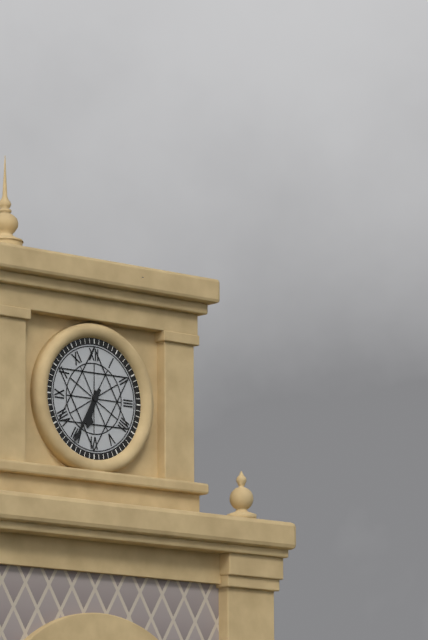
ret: {"hour": 6, "minute": 35}
